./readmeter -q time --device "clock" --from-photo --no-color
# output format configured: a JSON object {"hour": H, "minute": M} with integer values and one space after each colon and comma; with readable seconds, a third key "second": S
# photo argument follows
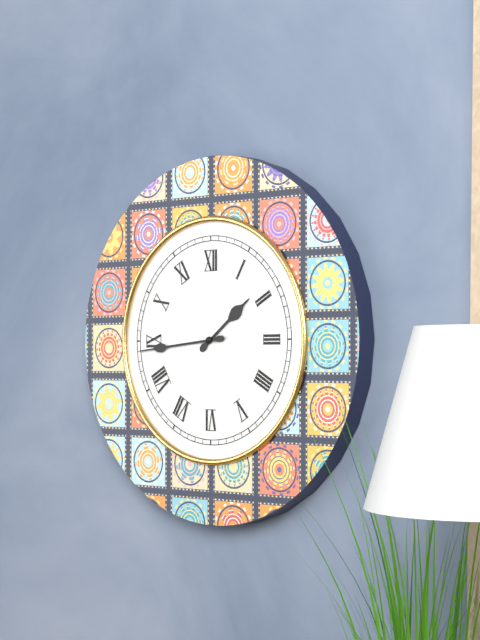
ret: {"hour": 1, "minute": 44}
